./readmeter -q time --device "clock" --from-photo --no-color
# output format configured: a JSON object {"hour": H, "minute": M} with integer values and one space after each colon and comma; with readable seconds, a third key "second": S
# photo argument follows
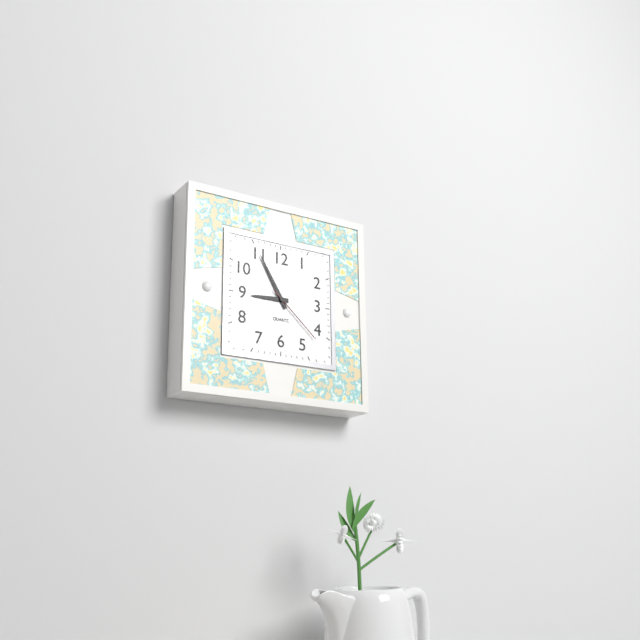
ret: {"hour": 8, "minute": 55, "second": 22}
